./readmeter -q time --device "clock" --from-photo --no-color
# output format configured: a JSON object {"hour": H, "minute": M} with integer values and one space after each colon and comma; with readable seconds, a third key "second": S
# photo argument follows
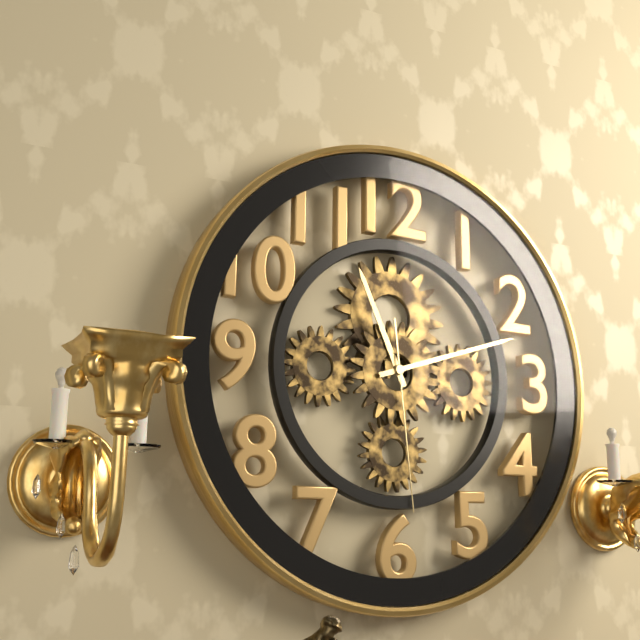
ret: {"hour": 11, "minute": 12, "second": 29}
